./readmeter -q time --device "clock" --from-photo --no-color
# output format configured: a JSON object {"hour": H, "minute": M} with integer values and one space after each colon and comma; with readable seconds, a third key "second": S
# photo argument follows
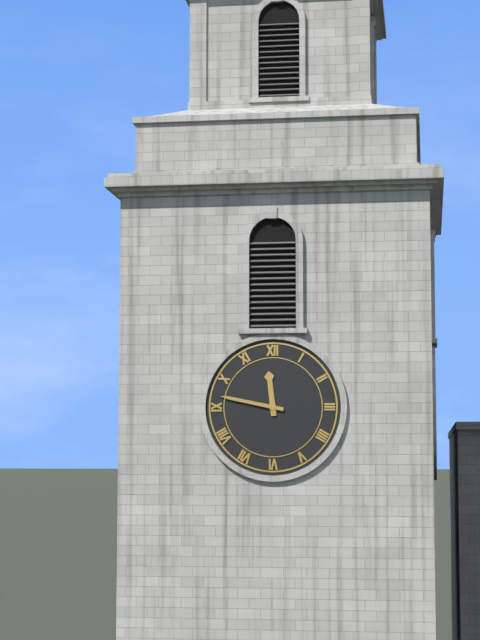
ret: {"hour": 11, "minute": 47}
